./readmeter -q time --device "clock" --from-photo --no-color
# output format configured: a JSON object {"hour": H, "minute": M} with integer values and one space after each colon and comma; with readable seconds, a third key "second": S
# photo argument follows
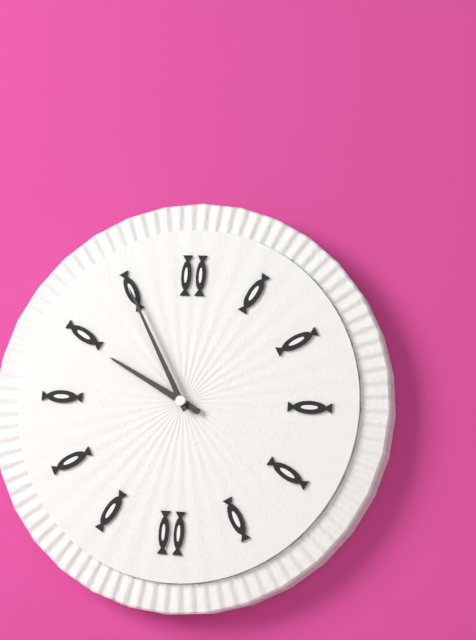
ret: {"hour": 9, "minute": 55}
